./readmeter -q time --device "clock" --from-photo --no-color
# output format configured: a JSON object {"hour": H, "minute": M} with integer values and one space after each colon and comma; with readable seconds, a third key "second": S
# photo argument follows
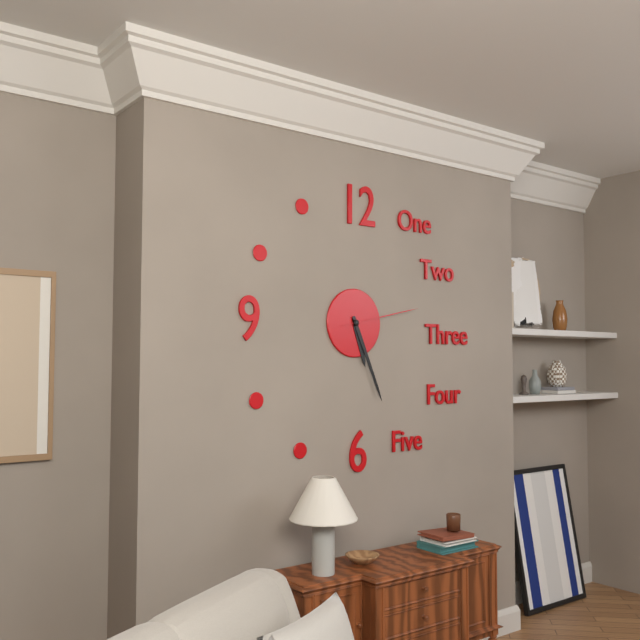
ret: {"hour": 5, "minute": 26, "second": 13}
